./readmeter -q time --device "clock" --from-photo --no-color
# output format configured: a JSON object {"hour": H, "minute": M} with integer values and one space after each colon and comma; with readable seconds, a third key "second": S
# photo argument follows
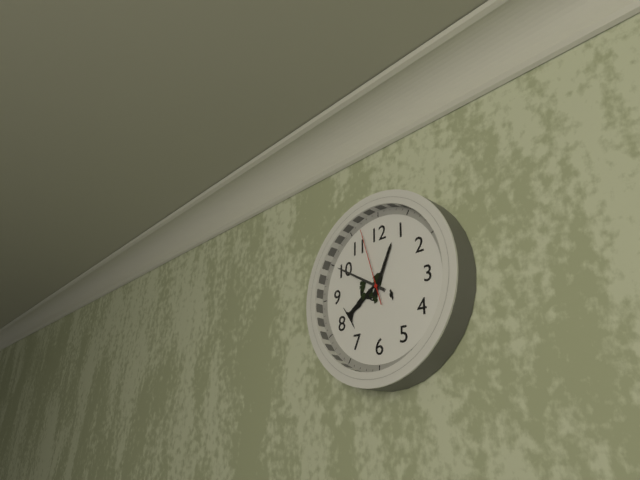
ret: {"hour": 12, "minute": 50, "second": 57}
